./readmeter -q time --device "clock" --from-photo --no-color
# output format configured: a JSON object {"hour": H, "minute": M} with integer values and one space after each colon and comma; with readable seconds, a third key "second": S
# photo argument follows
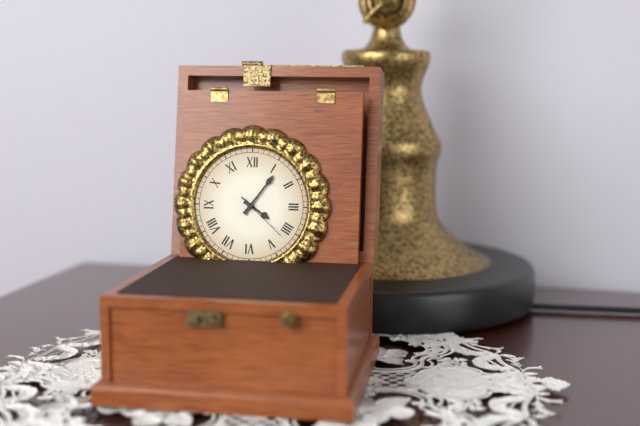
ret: {"hour": 4, "minute": 6, "second": 22}
